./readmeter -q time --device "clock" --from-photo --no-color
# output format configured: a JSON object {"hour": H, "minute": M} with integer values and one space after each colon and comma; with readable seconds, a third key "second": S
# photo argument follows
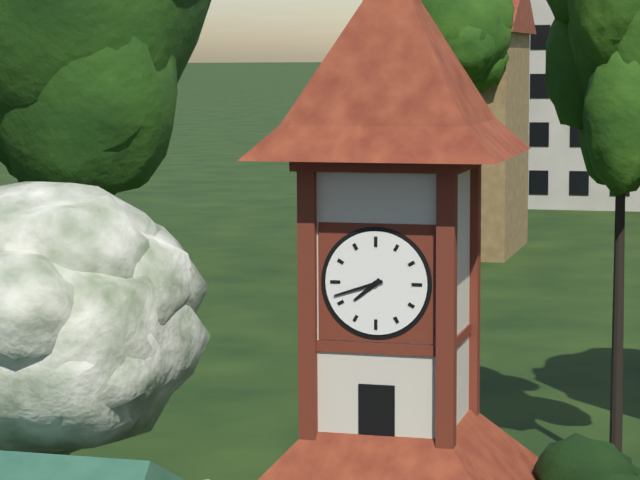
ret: {"hour": 7, "minute": 42}
